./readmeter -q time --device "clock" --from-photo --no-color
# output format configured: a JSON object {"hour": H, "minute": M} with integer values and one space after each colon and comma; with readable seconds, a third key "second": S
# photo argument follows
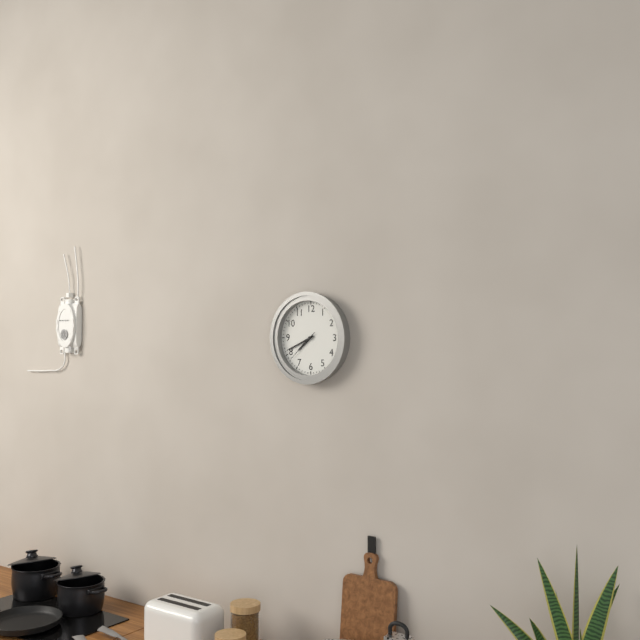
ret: {"hour": 7, "minute": 41}
